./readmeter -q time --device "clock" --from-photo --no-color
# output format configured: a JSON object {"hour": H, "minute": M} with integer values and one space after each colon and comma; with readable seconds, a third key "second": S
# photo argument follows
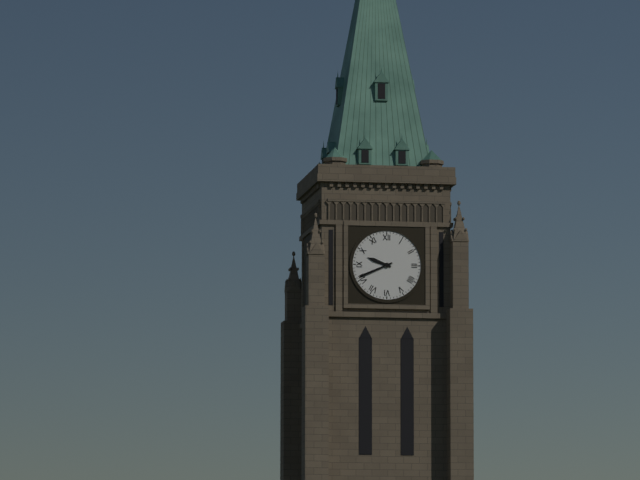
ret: {"hour": 9, "minute": 41}
